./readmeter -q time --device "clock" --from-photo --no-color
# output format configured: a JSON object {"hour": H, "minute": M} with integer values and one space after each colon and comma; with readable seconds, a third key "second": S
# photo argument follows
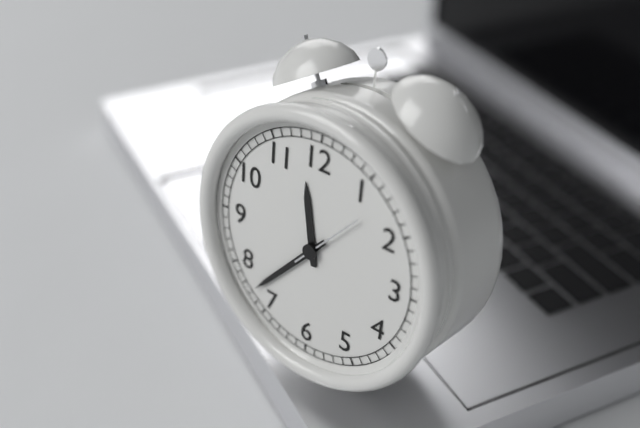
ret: {"hour": 11, "minute": 37, "second": 7}
